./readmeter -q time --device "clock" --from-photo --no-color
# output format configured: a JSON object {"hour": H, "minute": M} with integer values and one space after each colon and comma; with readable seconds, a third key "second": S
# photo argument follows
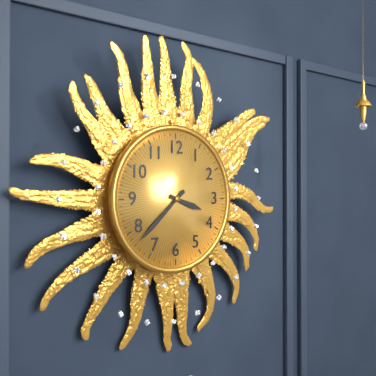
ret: {"hour": 3, "minute": 38}
